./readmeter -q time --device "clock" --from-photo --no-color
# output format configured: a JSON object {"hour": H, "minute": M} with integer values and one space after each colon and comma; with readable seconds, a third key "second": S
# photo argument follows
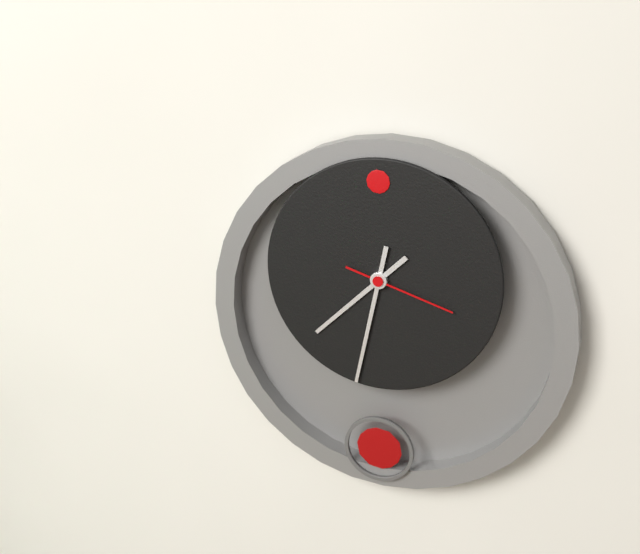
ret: {"hour": 7, "minute": 32, "second": 18}
